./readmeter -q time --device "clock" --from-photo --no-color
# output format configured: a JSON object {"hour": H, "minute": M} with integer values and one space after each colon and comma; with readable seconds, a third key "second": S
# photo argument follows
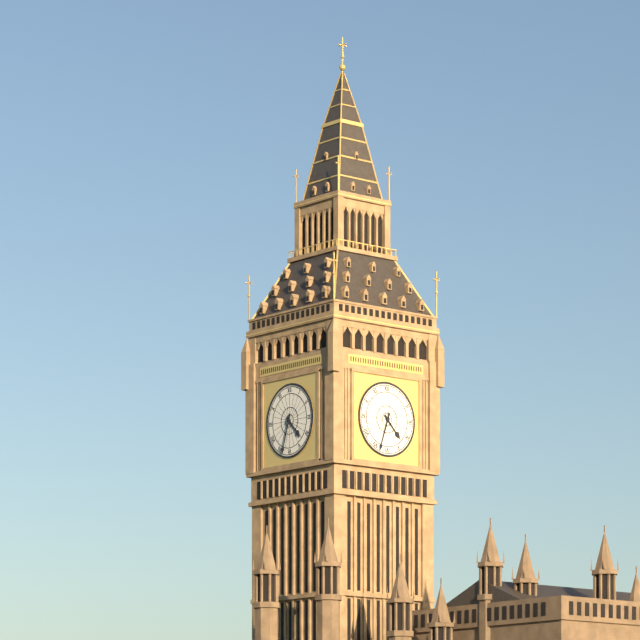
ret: {"hour": 4, "minute": 33}
